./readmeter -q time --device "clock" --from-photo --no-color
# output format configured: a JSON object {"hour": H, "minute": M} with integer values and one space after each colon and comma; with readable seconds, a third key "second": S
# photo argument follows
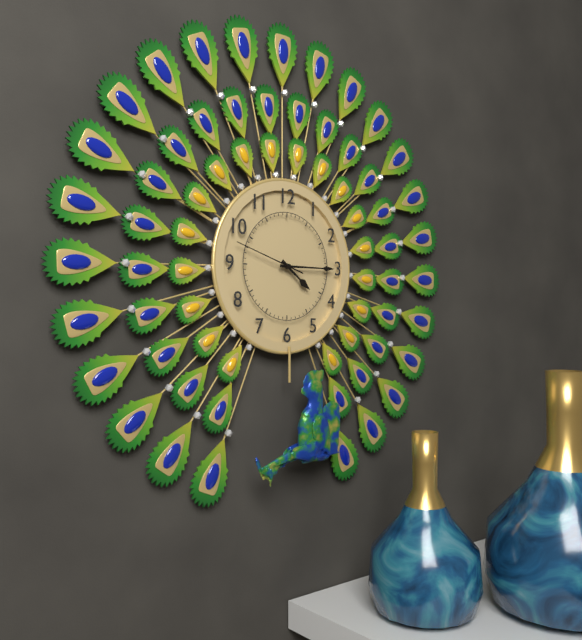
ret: {"hour": 4, "minute": 15, "second": 48}
